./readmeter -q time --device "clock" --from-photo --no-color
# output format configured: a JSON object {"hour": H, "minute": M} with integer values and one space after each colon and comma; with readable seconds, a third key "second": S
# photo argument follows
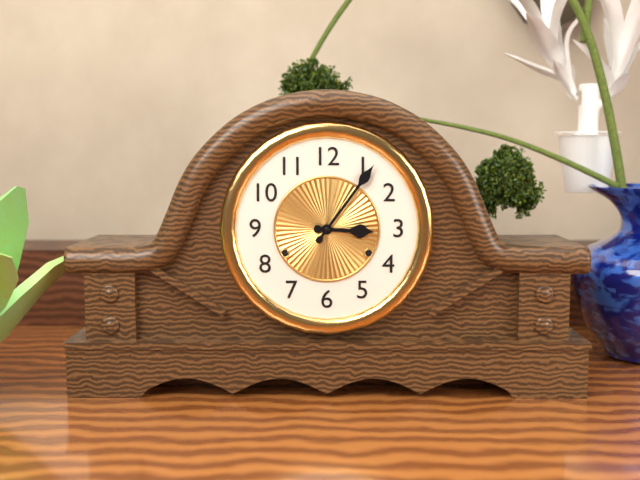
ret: {"hour": 3, "minute": 6}
